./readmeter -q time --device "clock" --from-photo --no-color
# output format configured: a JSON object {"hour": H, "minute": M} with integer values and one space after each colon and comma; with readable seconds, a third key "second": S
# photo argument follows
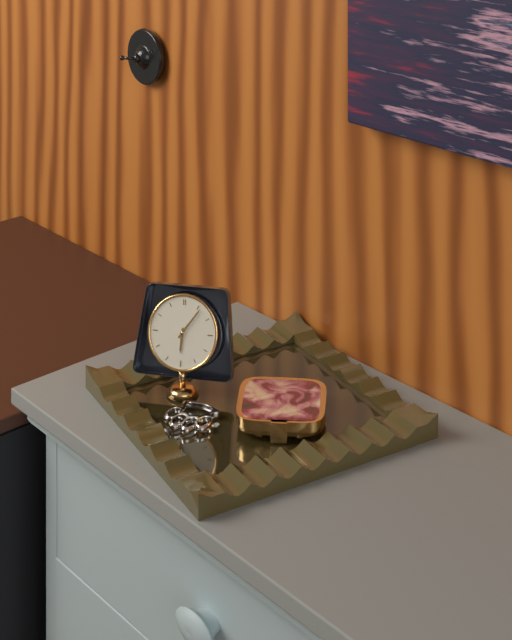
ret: {"hour": 6, "minute": 6}
